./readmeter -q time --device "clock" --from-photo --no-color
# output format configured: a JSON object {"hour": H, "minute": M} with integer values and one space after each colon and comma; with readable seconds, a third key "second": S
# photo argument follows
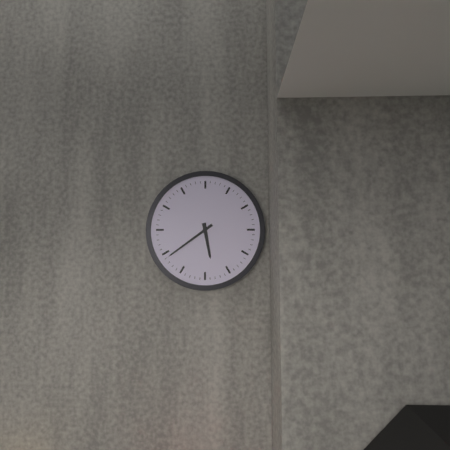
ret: {"hour": 5, "minute": 39}
